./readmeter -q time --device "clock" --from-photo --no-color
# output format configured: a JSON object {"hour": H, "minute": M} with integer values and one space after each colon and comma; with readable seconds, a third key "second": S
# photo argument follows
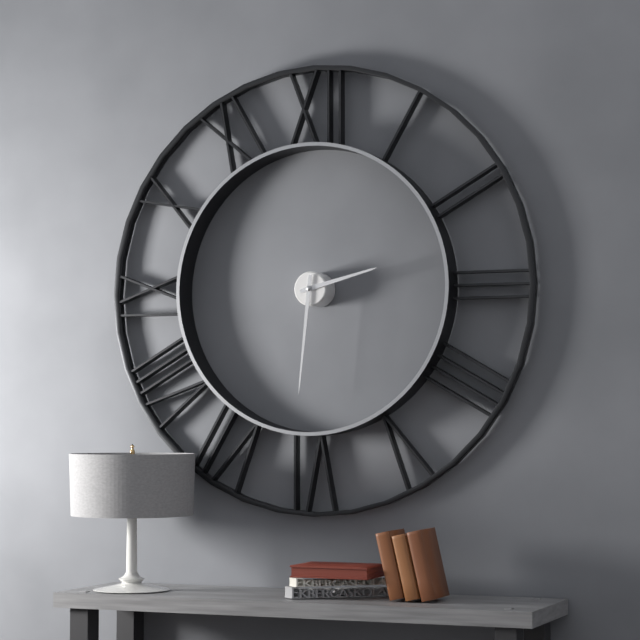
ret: {"hour": 2, "minute": 31}
